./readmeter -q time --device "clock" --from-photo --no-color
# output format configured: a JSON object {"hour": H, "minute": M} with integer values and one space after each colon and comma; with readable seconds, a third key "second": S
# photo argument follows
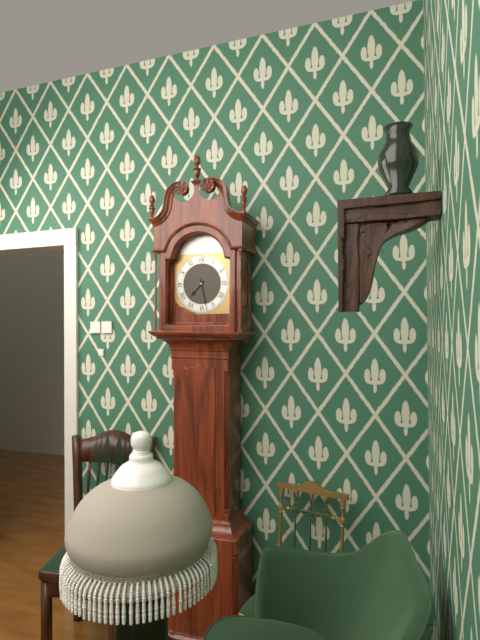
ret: {"hour": 7, "minute": 28}
